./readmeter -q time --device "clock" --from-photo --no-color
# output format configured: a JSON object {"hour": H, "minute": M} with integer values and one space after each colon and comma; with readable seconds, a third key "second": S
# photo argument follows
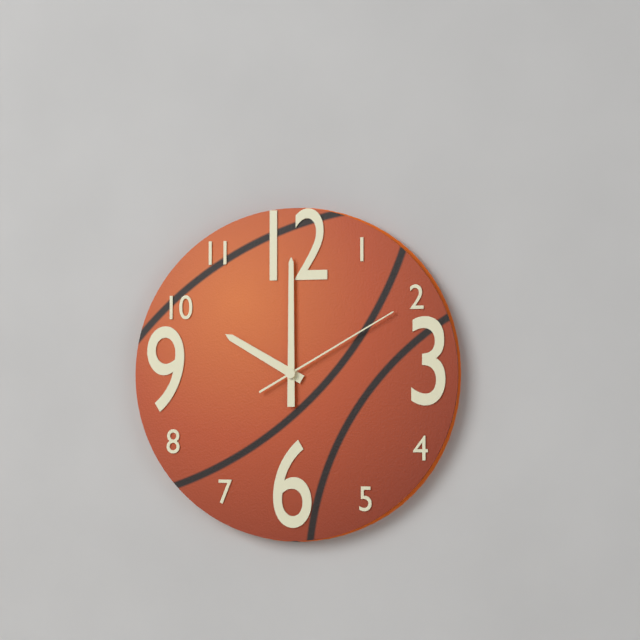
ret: {"hour": 10, "minute": 0, "second": 10}
